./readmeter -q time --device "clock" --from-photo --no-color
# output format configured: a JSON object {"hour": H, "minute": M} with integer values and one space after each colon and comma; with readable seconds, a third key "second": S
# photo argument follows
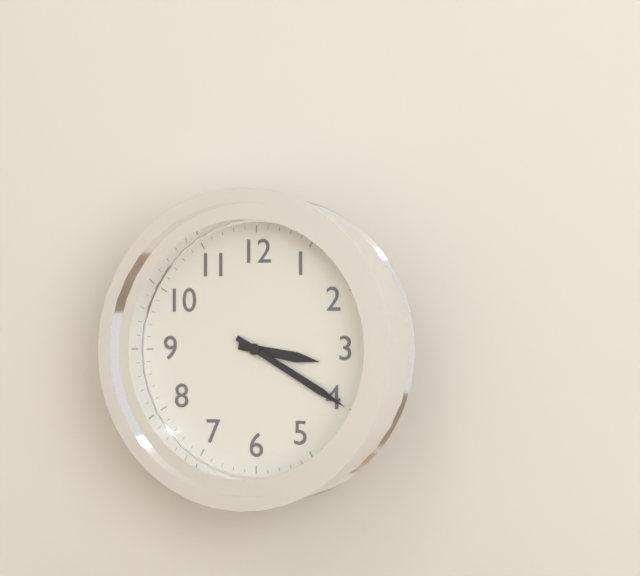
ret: {"hour": 3, "minute": 20}
